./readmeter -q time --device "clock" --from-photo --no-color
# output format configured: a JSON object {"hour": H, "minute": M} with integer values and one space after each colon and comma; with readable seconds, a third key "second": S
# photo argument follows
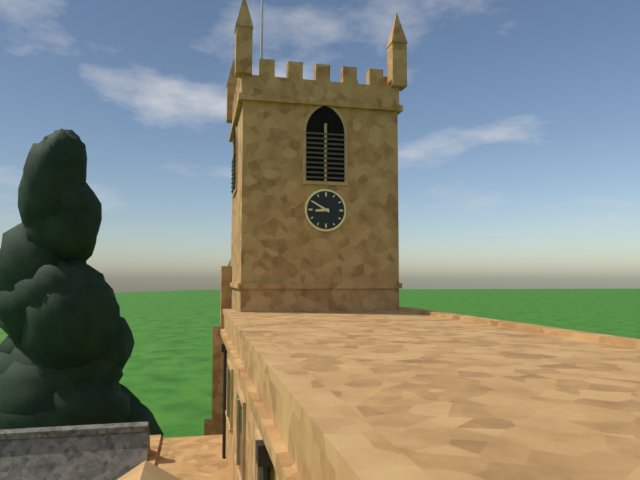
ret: {"hour": 8, "minute": 50}
